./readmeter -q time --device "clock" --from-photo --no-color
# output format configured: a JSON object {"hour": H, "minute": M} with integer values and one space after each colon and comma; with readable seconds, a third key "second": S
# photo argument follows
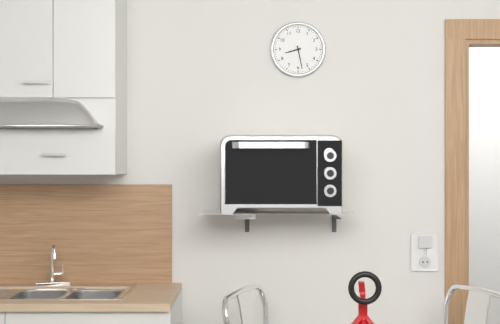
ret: {"hour": 8, "minute": 28}
